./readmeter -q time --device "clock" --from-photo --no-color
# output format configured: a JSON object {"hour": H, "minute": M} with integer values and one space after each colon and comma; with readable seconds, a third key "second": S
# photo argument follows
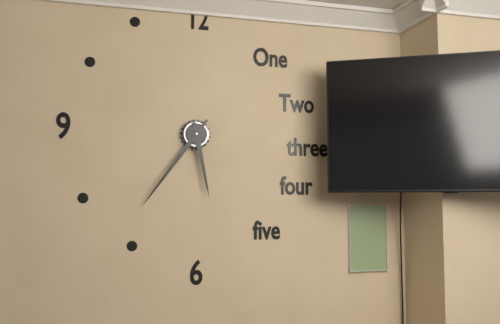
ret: {"hour": 5, "minute": 36}
